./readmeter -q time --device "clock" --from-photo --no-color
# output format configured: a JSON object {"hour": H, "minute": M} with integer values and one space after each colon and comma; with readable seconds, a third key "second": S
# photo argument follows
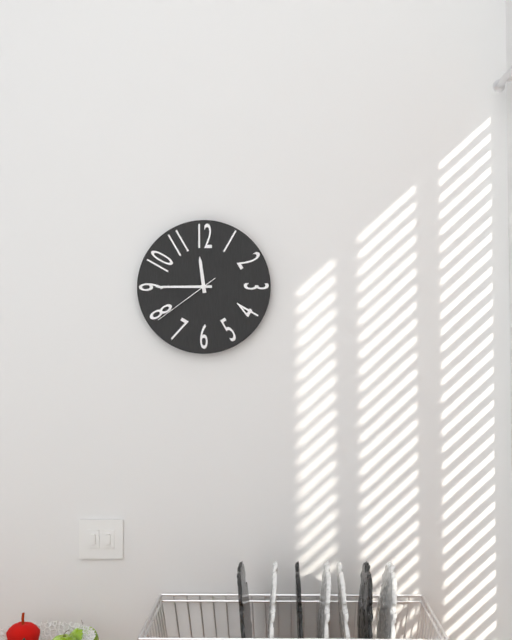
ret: {"hour": 11, "minute": 45, "second": 39}
